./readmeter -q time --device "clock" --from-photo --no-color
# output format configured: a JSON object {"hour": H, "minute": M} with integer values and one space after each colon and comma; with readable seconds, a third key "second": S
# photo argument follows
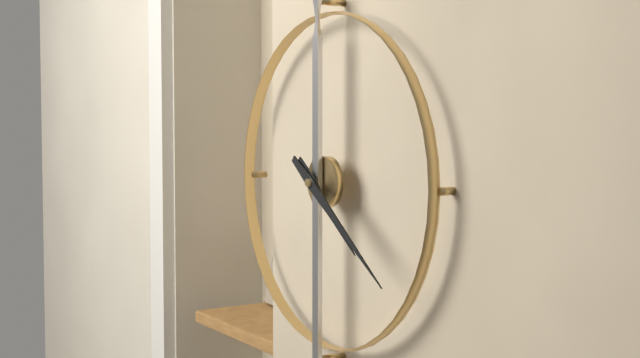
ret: {"hour": 4, "minute": 21}
